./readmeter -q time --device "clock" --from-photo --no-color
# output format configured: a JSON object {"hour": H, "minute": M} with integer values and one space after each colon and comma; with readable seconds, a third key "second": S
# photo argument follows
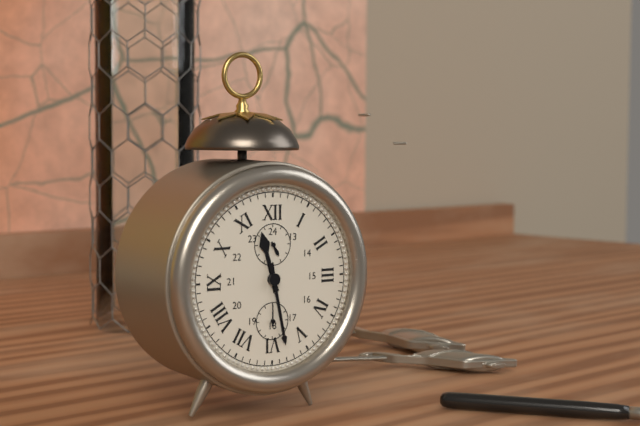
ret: {"hour": 11, "minute": 28}
